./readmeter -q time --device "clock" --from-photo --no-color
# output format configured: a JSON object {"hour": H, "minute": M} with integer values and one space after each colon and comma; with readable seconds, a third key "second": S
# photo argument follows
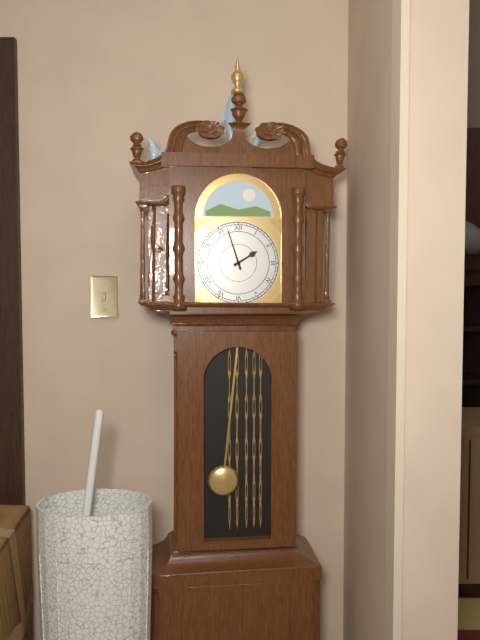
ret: {"hour": 1, "minute": 57}
